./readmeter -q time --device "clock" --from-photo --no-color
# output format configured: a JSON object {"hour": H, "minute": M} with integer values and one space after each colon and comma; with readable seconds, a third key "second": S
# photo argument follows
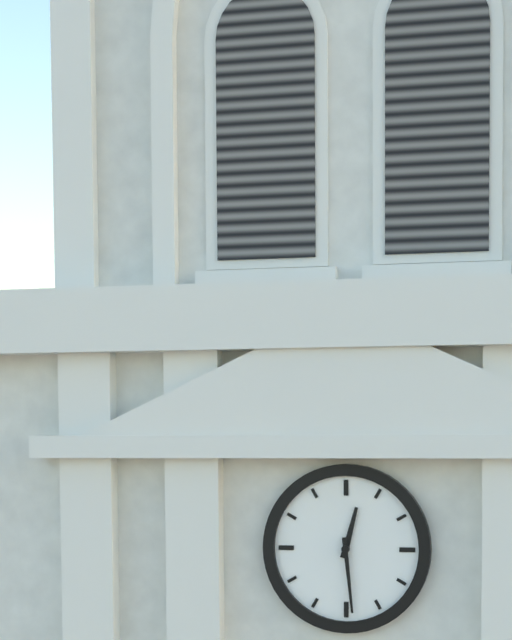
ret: {"hour": 12, "minute": 29}
